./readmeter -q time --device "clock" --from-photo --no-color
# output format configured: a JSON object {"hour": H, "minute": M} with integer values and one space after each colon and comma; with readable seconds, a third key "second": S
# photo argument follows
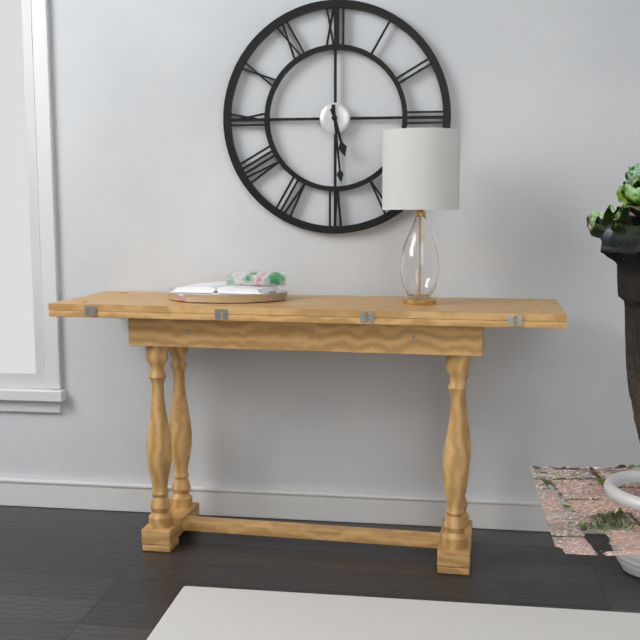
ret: {"hour": 5, "minute": 29}
